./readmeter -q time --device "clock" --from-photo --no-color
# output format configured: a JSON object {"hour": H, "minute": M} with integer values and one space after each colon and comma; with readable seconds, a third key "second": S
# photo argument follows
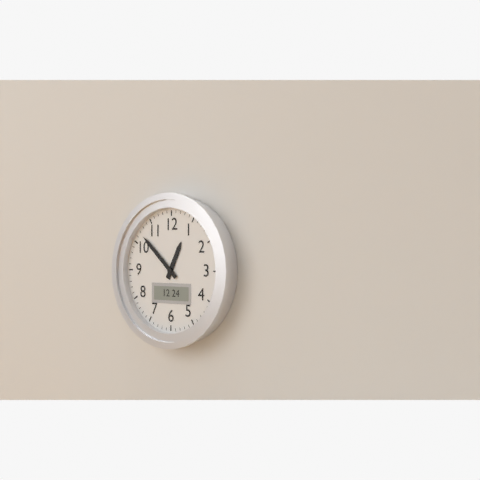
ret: {"hour": 12, "minute": 52}
